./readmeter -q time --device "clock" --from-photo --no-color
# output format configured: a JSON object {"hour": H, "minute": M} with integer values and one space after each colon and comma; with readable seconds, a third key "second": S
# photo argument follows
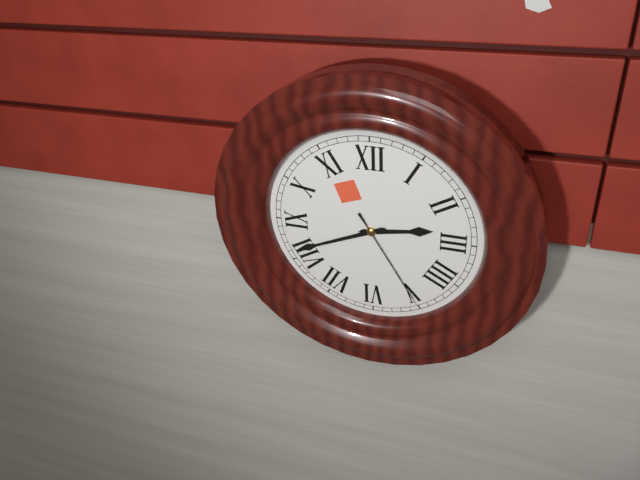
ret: {"hour": 2, "minute": 41, "second": 25}
